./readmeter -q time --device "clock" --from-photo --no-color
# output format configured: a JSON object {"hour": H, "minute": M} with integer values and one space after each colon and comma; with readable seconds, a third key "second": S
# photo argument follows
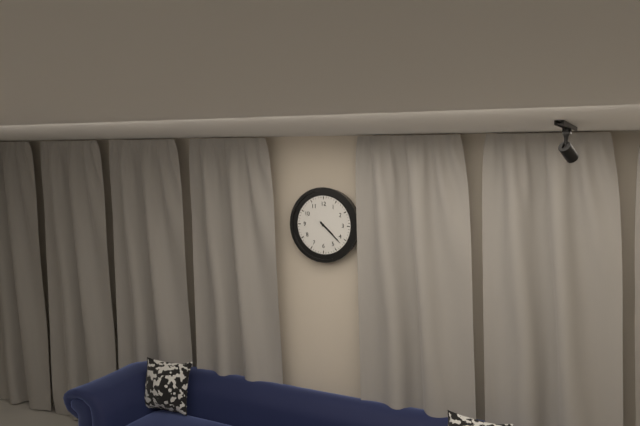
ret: {"hour": 4, "minute": 22}
